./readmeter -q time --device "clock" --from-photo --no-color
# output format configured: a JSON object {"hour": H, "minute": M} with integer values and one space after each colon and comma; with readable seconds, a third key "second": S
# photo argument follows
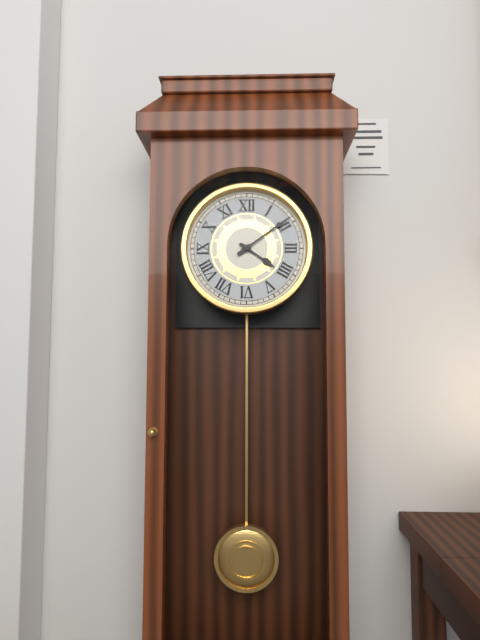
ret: {"hour": 4, "minute": 9}
